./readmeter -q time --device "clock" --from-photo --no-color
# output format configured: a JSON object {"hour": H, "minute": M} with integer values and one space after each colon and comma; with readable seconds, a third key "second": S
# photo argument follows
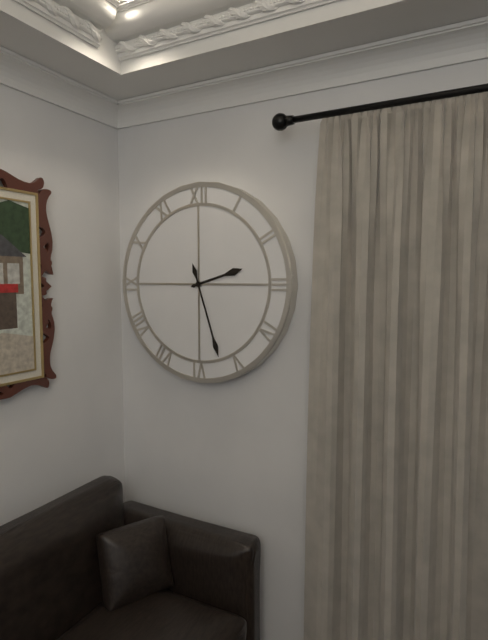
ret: {"hour": 2, "minute": 27}
